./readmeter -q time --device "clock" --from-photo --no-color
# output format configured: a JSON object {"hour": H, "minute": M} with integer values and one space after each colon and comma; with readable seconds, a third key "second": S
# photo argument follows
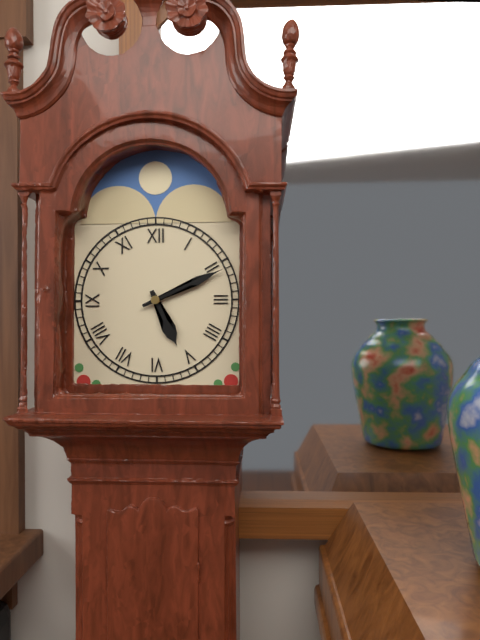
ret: {"hour": 5, "minute": 11}
